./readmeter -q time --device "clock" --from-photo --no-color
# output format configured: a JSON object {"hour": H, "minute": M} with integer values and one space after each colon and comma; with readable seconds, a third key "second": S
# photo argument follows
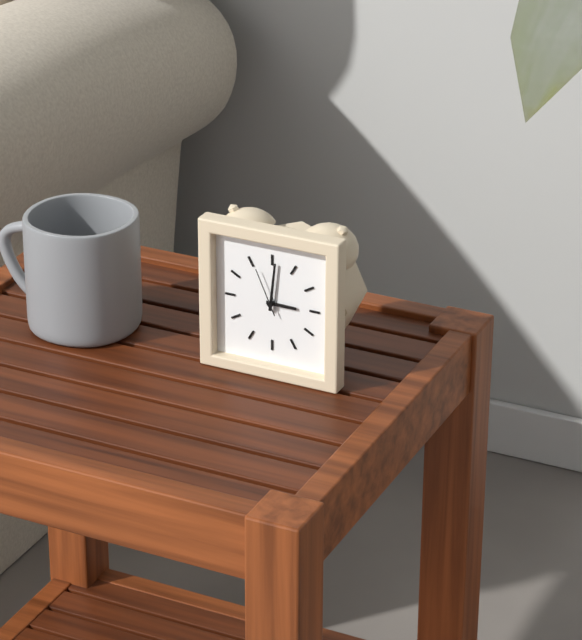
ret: {"hour": 3, "minute": 1}
